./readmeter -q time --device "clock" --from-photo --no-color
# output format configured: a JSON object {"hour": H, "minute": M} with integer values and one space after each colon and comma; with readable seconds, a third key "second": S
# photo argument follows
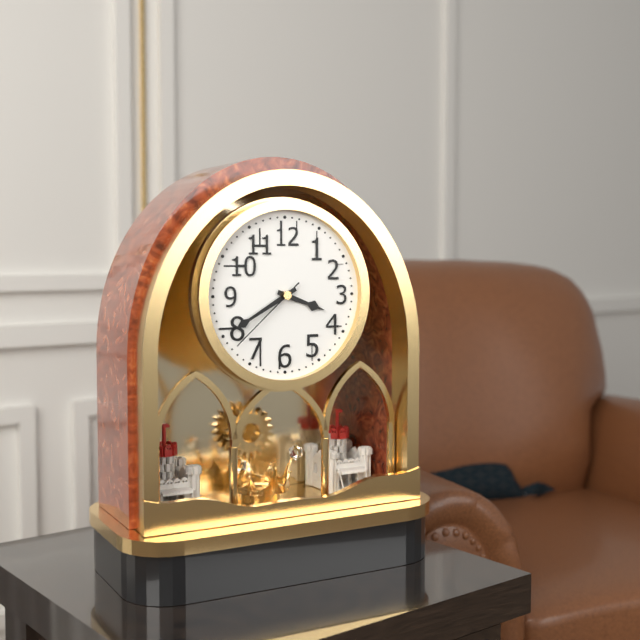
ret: {"hour": 3, "minute": 40, "second": 38}
